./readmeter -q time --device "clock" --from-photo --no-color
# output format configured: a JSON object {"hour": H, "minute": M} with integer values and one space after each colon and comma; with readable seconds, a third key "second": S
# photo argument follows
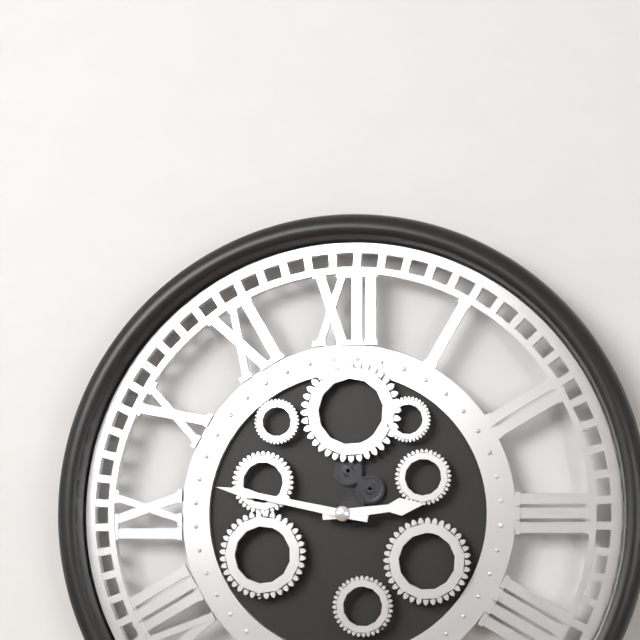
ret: {"hour": 2, "minute": 47}
